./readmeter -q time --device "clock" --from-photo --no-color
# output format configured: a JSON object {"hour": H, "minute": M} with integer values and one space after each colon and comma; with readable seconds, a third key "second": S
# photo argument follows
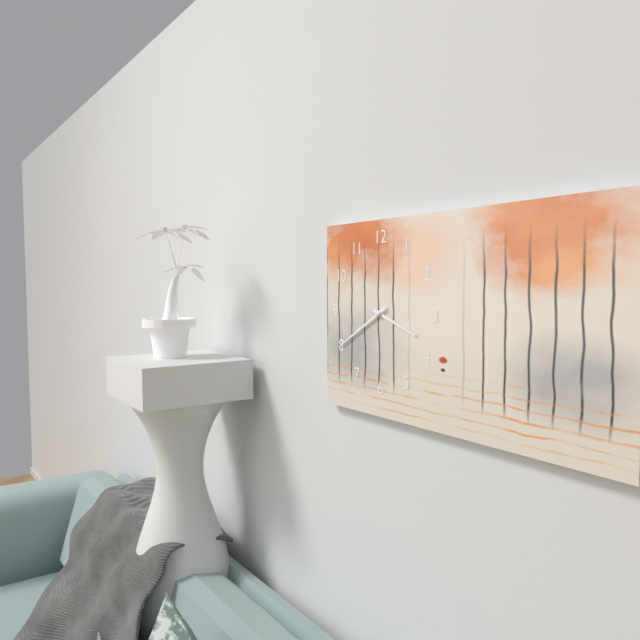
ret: {"hour": 3, "minute": 40}
